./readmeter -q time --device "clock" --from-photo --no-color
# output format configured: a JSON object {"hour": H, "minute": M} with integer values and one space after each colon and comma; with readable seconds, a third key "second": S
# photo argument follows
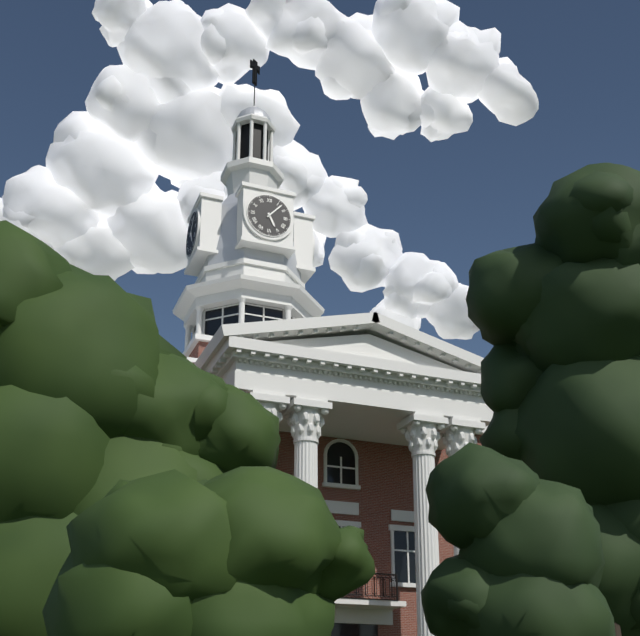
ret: {"hour": 5, "minute": 7}
